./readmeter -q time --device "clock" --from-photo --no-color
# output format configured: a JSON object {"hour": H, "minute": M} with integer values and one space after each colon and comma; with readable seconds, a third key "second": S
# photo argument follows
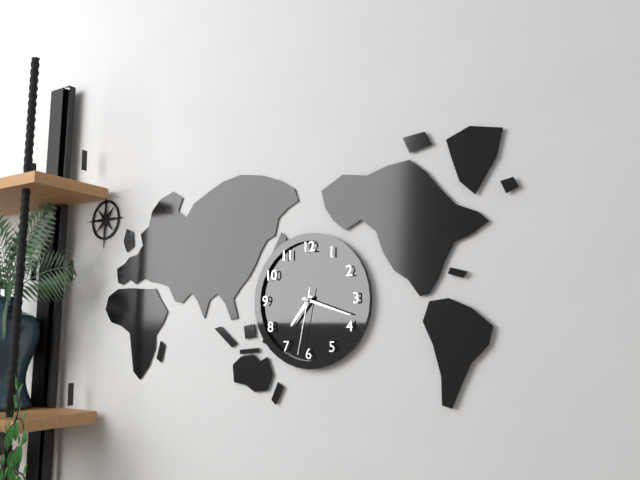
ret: {"hour": 7, "minute": 18, "second": 32}
